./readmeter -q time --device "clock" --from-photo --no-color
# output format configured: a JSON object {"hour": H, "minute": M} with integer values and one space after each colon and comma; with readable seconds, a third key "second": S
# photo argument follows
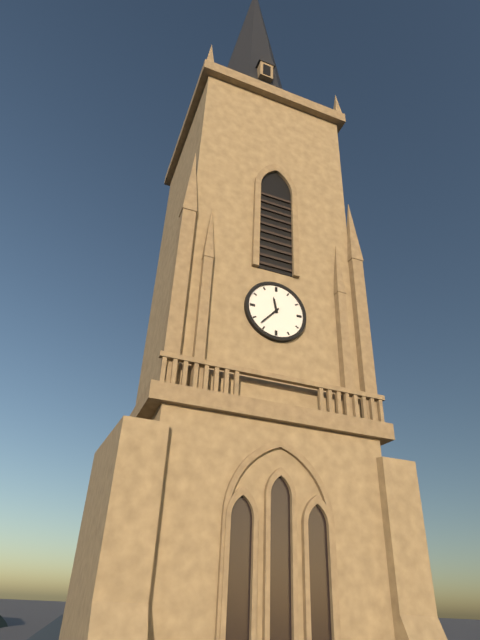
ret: {"hour": 11, "minute": 37}
